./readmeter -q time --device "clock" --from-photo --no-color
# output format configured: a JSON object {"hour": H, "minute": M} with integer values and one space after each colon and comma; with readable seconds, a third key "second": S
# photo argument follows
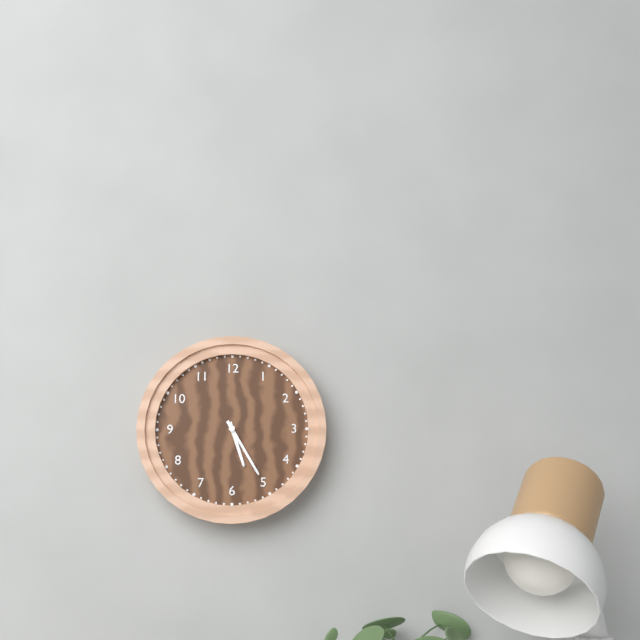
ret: {"hour": 5, "minute": 25}
